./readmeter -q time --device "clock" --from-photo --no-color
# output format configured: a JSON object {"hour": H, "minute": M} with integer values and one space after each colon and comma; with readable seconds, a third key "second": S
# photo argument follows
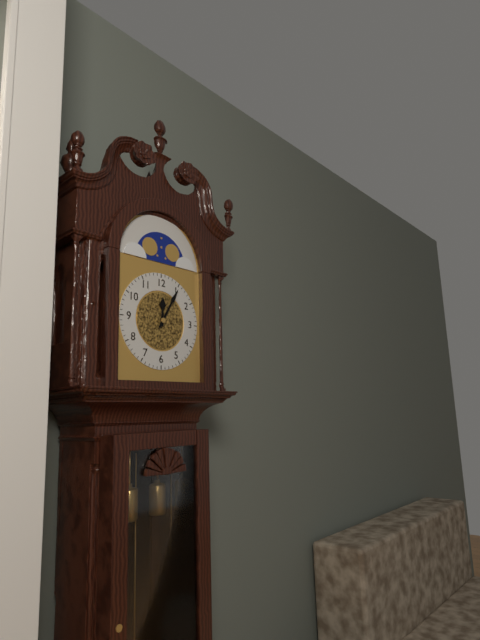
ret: {"hour": 12, "minute": 5}
